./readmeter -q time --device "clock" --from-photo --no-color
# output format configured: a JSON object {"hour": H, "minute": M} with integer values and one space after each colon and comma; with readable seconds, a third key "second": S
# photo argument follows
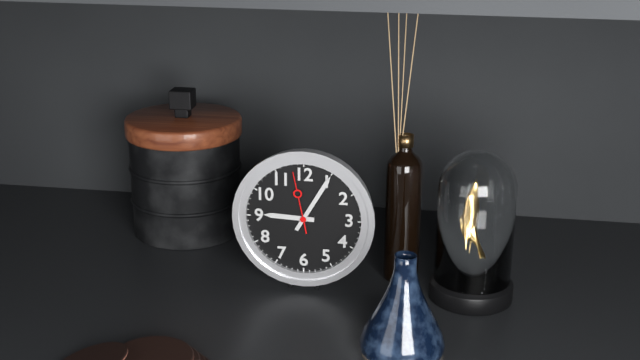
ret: {"hour": 9, "minute": 5, "second": 58}
